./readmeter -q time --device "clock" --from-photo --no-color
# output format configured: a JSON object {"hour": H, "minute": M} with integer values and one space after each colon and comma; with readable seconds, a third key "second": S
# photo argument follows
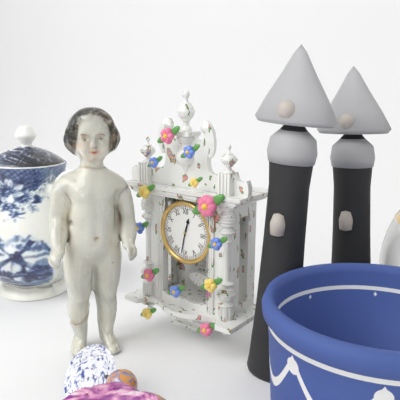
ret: {"hour": 12, "minute": 32}
